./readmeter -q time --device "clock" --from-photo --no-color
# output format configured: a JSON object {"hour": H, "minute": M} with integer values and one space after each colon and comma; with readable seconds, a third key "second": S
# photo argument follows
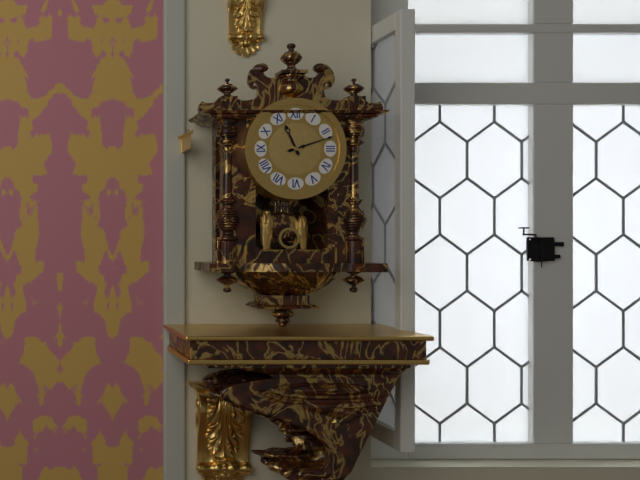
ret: {"hour": 11, "minute": 12}
